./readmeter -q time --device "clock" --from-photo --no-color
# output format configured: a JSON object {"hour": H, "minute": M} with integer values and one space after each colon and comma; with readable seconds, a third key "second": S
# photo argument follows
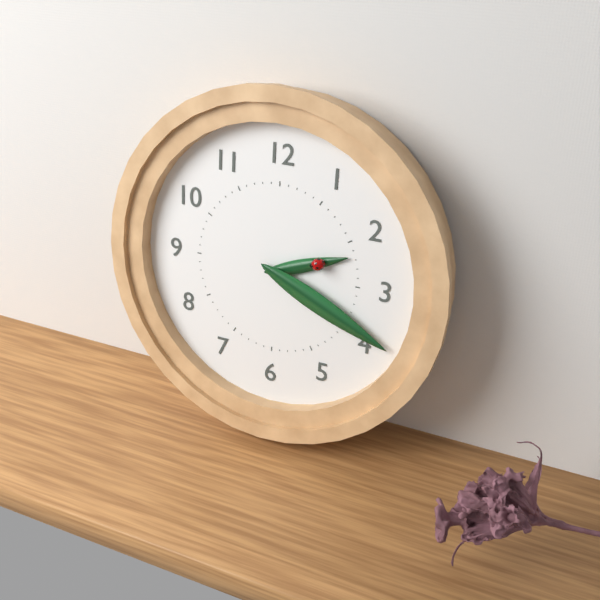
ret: {"hour": 2, "minute": 19}
